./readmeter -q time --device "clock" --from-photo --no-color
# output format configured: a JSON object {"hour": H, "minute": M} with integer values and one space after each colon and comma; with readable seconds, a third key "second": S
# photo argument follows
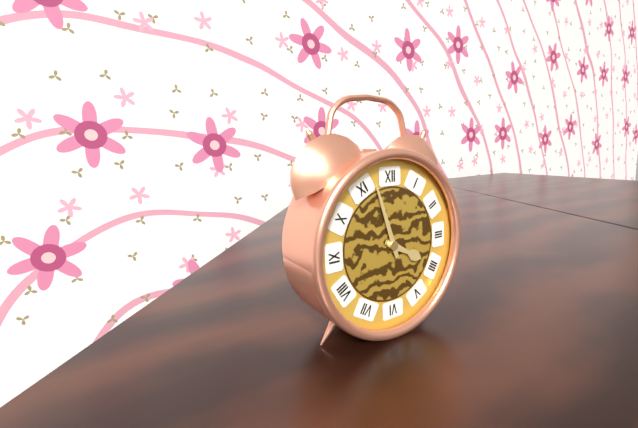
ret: {"hour": 3, "minute": 57}
